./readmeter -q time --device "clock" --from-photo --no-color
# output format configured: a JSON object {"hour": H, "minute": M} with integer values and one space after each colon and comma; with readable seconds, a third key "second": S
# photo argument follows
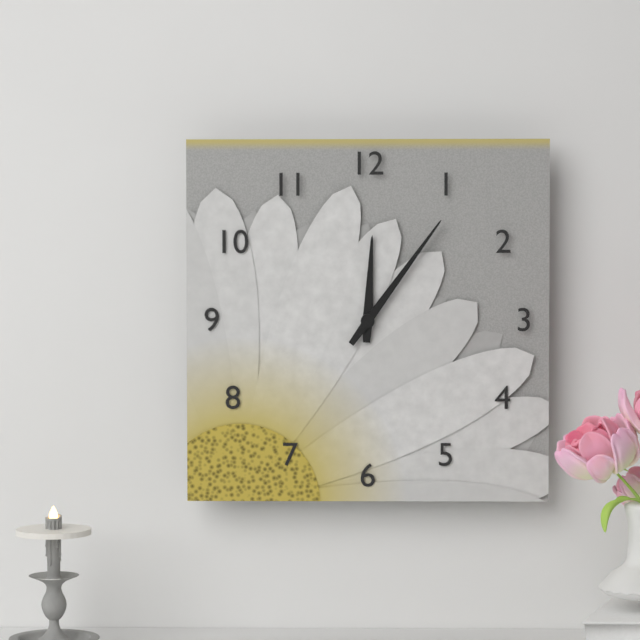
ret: {"hour": 12, "minute": 6}
